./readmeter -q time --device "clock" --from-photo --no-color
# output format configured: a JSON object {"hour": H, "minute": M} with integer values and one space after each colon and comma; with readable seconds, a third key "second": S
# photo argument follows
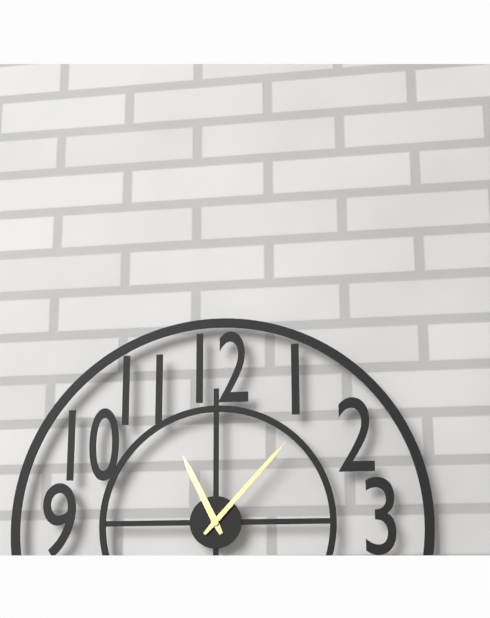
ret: {"hour": 11, "minute": 7}
